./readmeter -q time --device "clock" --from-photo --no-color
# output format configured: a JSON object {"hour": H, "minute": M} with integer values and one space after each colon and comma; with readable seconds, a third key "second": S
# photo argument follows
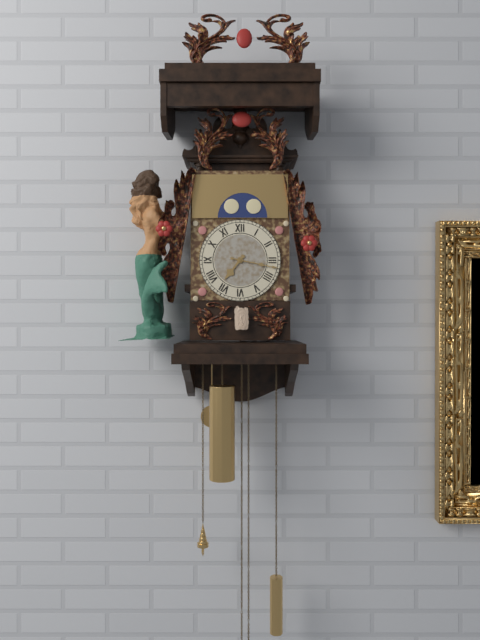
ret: {"hour": 7, "minute": 17}
